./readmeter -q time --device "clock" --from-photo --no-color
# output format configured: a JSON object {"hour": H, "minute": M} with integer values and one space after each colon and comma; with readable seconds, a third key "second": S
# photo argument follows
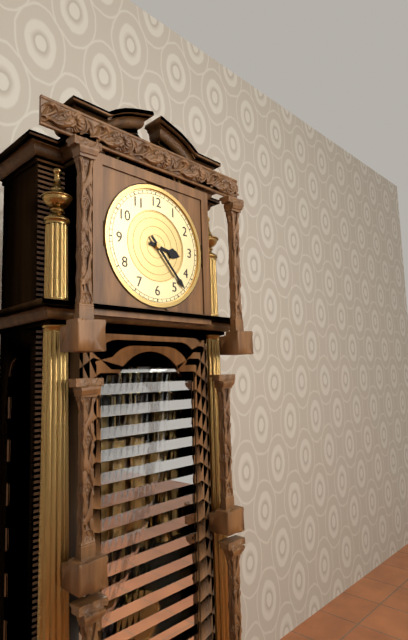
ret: {"hour": 3, "minute": 23}
